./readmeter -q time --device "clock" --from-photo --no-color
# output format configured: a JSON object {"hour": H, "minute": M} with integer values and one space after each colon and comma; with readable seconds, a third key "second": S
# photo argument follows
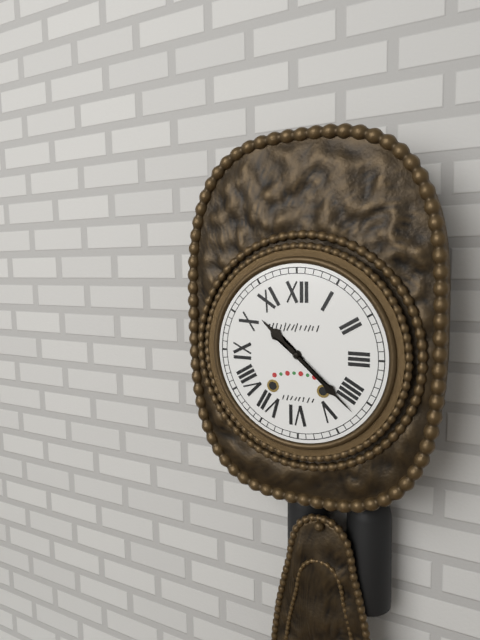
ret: {"hour": 10, "minute": 22}
